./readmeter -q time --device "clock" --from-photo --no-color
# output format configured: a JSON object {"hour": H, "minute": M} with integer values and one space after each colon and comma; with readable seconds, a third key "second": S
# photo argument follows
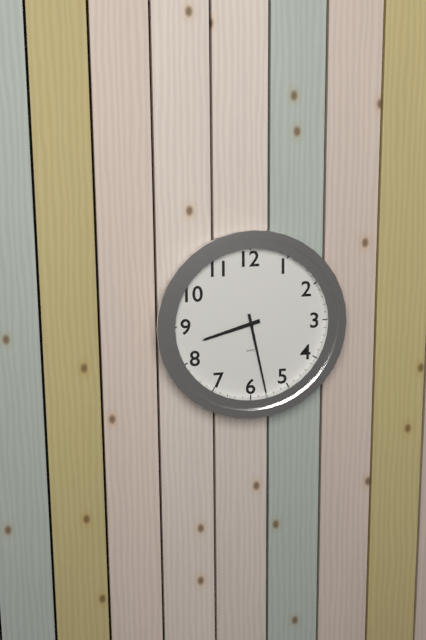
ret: {"hour": 8, "minute": 28}
